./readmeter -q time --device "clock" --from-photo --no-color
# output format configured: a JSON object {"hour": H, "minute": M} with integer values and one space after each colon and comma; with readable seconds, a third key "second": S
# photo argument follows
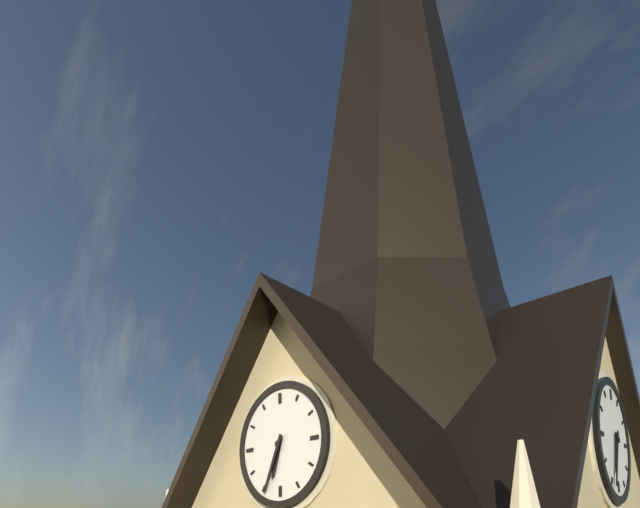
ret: {"hour": 6, "minute": 34}
